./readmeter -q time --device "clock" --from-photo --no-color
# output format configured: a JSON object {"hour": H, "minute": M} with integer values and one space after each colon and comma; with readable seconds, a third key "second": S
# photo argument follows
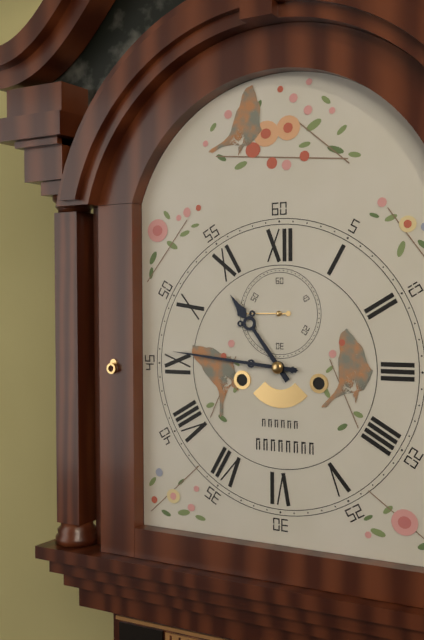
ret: {"hour": 10, "minute": 46}
